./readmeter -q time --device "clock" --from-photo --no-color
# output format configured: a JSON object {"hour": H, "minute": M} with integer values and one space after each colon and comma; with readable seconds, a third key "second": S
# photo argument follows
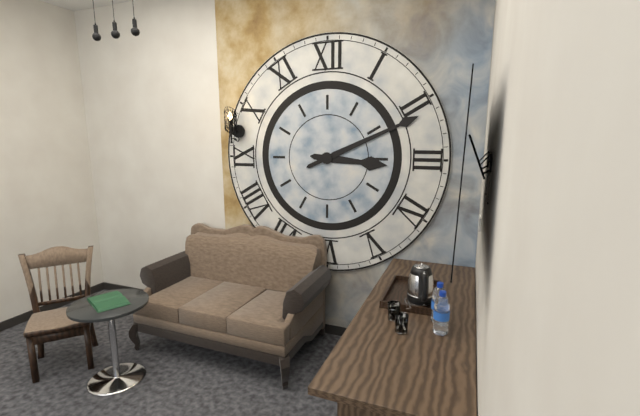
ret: {"hour": 3, "minute": 11}
